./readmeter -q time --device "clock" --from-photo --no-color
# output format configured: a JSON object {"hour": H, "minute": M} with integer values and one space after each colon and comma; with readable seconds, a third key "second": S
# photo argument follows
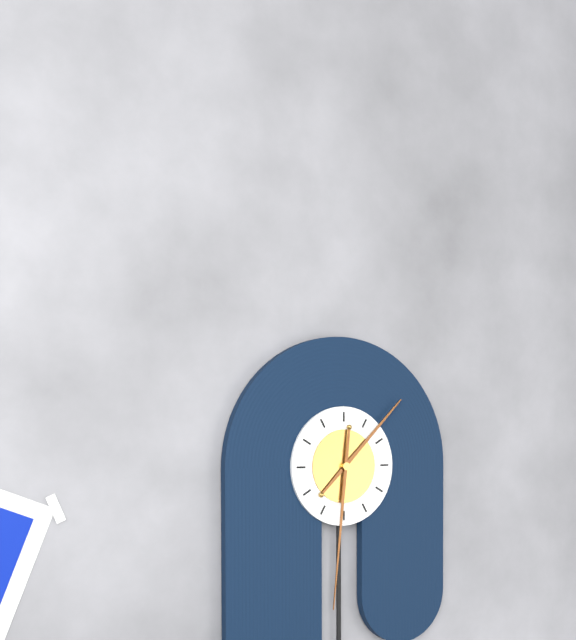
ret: {"hour": 1, "minute": 31}
